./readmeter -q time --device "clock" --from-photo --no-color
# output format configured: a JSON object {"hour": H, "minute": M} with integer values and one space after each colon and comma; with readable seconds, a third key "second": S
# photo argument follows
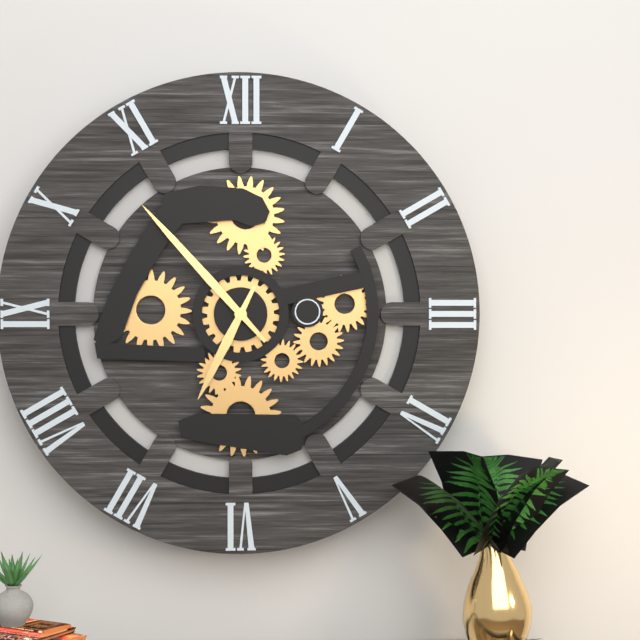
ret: {"hour": 6, "minute": 53}
